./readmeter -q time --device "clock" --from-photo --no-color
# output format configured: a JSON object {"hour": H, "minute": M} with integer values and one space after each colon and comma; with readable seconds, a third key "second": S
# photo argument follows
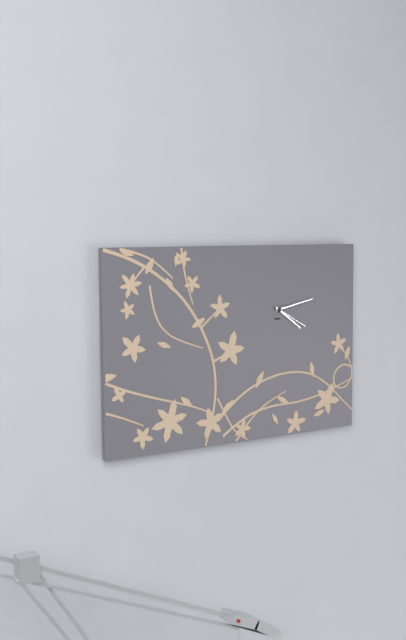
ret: {"hour": 4, "minute": 13}
